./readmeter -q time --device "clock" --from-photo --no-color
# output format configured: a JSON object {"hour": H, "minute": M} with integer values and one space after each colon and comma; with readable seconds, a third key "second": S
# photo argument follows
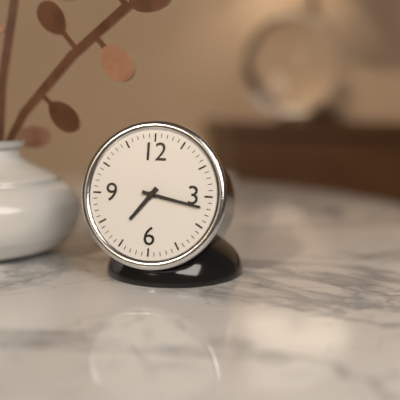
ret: {"hour": 7, "minute": 17}
